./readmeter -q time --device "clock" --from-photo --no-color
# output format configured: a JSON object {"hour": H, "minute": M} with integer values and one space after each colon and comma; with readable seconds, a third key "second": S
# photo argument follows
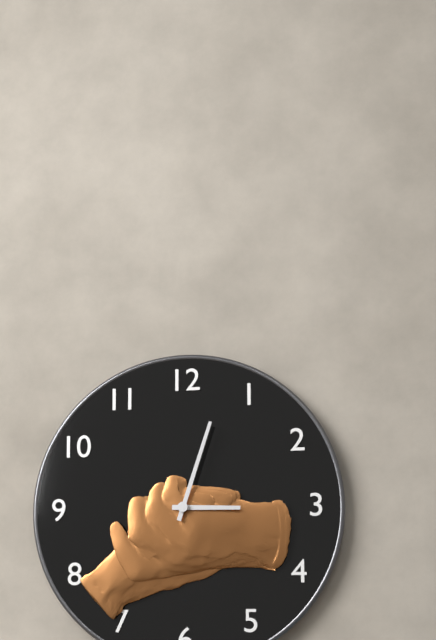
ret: {"hour": 3, "minute": 3}
